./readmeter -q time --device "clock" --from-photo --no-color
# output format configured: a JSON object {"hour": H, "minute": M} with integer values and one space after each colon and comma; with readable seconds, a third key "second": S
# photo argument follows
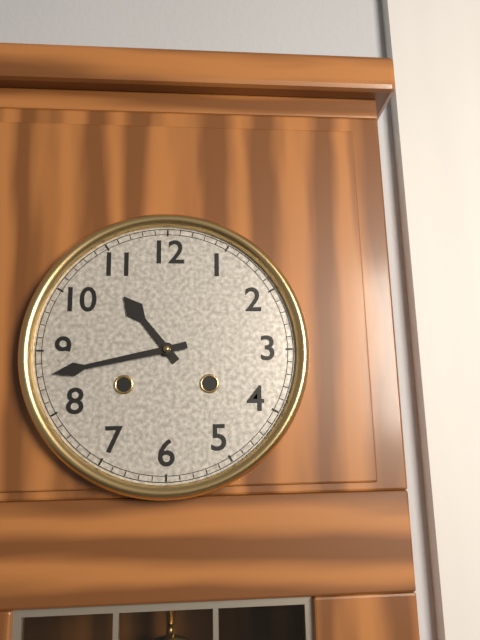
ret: {"hour": 10, "minute": 43}
